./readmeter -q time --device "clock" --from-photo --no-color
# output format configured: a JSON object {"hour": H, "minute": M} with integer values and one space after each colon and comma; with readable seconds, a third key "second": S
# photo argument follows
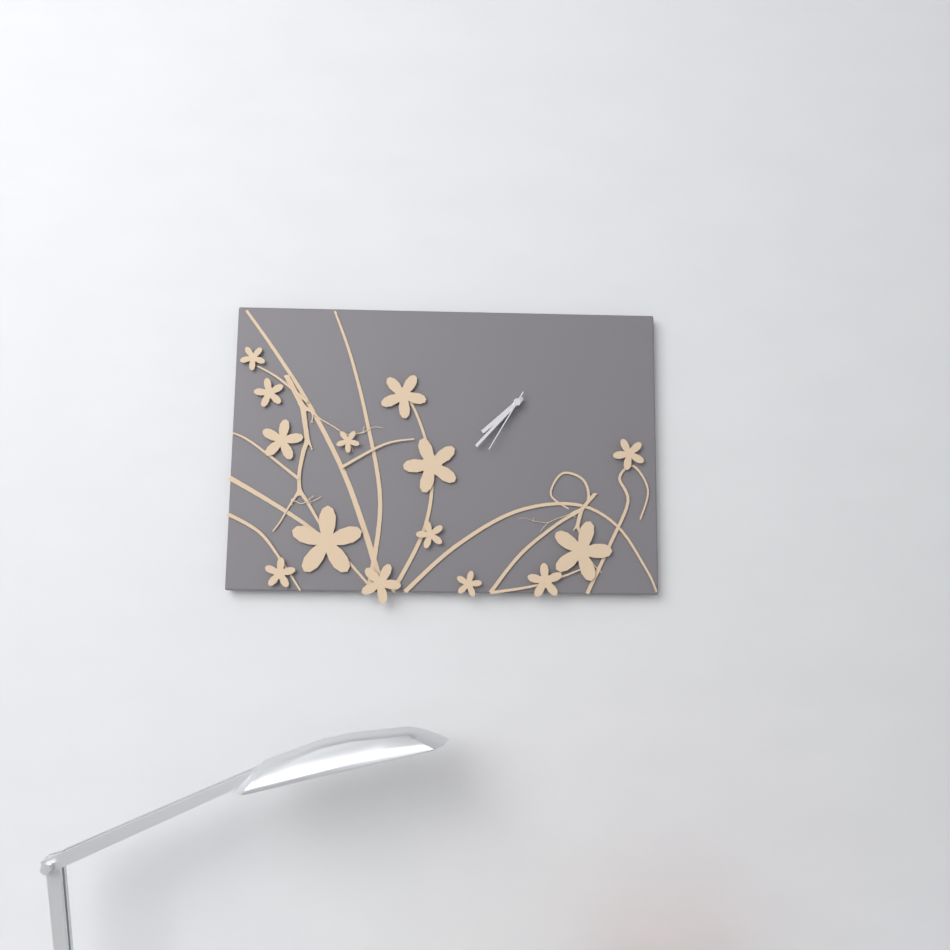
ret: {"hour": 7, "minute": 37, "second": 35}
